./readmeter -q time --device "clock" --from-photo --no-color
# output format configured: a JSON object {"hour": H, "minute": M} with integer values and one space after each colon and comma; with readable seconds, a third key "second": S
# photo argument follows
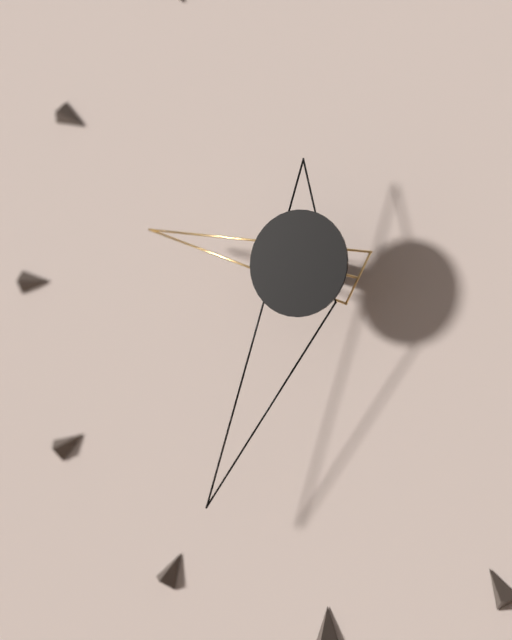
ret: {"hour": 9, "minute": 34}
